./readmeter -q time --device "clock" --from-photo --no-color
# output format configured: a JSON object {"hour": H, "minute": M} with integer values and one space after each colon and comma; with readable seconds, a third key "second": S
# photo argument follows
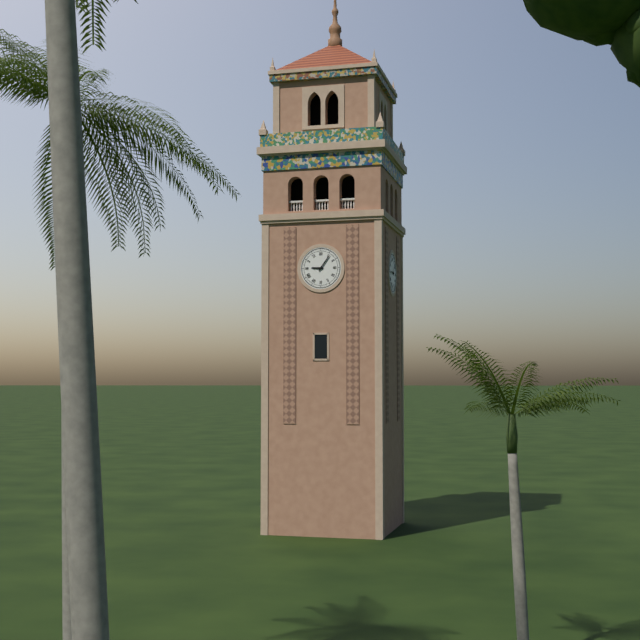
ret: {"hour": 9, "minute": 6}
